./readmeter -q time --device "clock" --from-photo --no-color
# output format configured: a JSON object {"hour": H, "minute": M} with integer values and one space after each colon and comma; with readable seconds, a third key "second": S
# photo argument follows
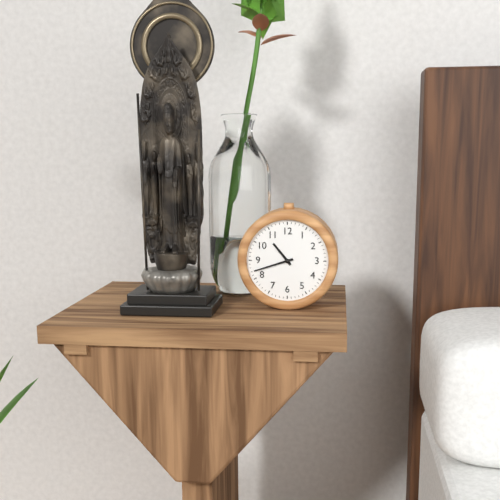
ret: {"hour": 10, "minute": 42}
